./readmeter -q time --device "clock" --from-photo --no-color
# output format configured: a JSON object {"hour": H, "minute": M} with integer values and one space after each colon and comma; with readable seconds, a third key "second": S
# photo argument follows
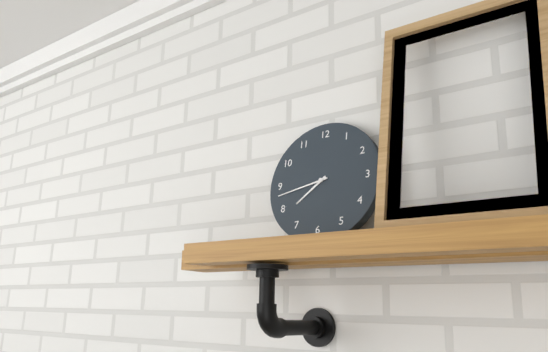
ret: {"hour": 7, "minute": 43}
